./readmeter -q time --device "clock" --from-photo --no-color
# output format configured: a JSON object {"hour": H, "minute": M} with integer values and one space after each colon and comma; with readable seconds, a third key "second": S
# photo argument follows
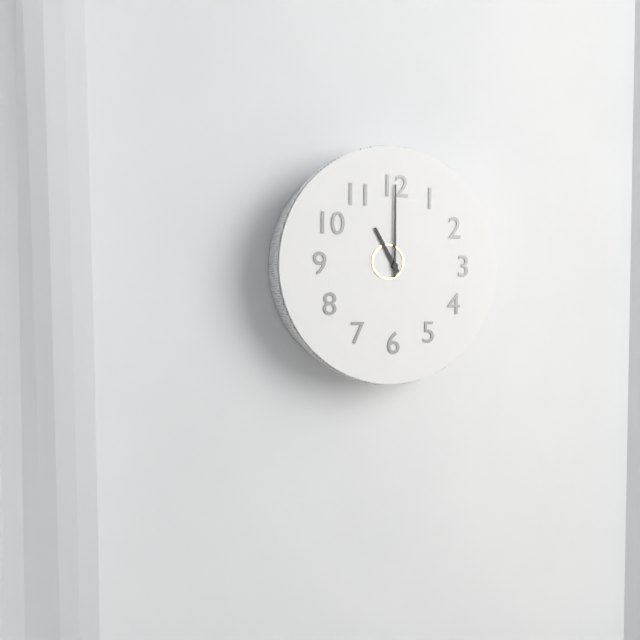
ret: {"hour": 11, "minute": 0}
